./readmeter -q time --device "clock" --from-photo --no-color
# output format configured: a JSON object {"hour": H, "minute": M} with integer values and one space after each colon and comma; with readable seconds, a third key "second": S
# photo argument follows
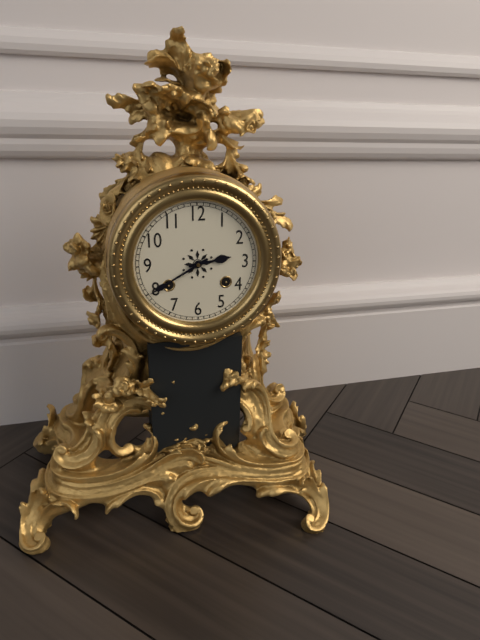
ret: {"hour": 2, "minute": 40}
